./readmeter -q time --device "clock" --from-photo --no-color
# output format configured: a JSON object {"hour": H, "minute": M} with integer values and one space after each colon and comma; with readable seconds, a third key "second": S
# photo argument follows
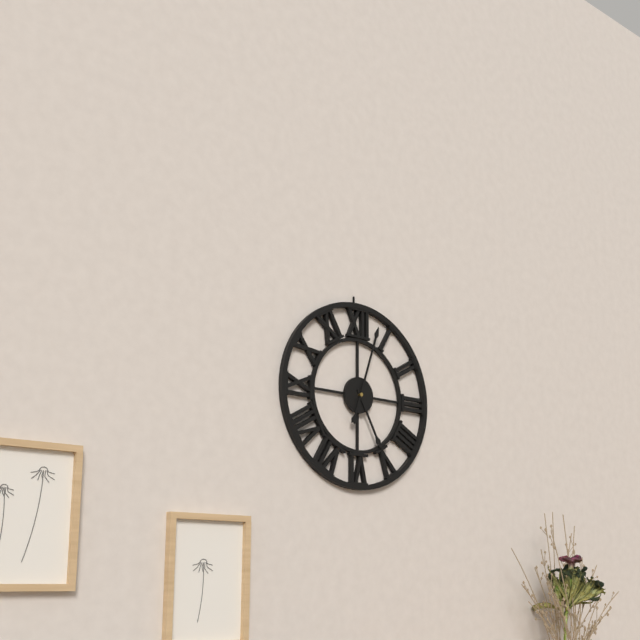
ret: {"hour": 5, "minute": 3}
